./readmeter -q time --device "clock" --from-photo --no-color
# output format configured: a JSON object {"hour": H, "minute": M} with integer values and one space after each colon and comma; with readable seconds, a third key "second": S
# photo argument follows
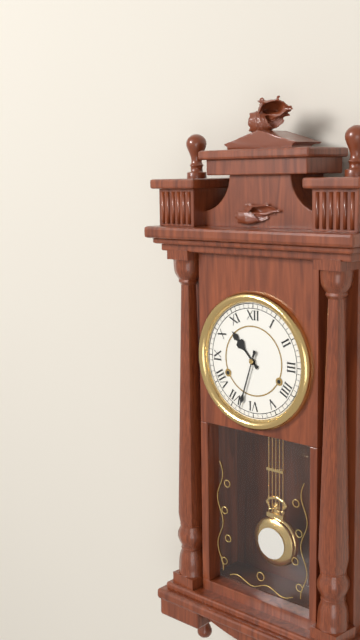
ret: {"hour": 10, "minute": 33}
